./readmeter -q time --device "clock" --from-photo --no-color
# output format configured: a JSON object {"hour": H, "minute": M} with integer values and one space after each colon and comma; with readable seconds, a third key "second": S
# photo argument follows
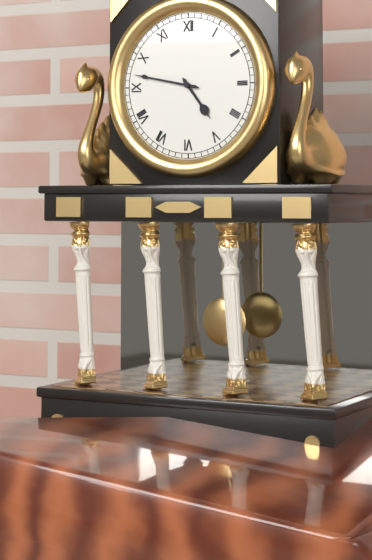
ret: {"hour": 4, "minute": 47}
